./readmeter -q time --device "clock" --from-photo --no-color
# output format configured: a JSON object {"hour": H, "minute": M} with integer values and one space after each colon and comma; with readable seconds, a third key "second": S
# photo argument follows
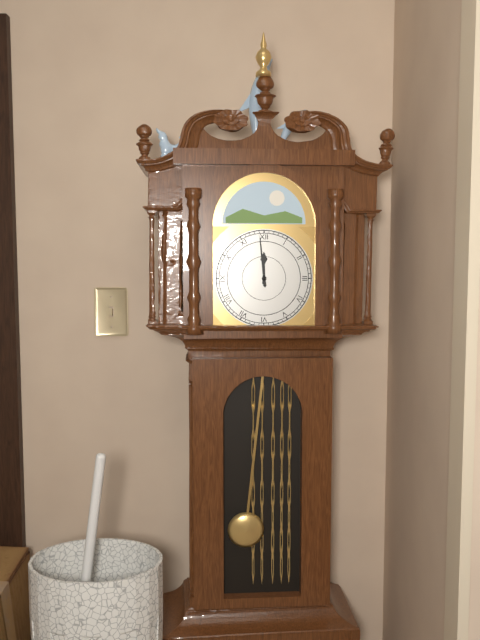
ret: {"hour": 11, "minute": 59}
